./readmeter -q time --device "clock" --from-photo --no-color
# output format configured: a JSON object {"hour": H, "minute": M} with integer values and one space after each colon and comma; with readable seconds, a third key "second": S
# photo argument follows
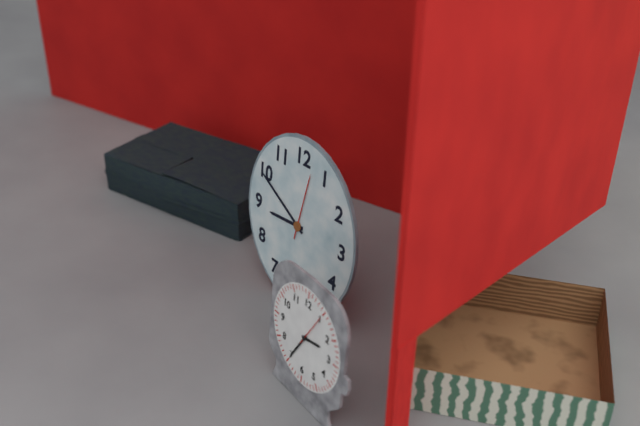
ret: {"hour": 8, "minute": 50, "second": 2}
